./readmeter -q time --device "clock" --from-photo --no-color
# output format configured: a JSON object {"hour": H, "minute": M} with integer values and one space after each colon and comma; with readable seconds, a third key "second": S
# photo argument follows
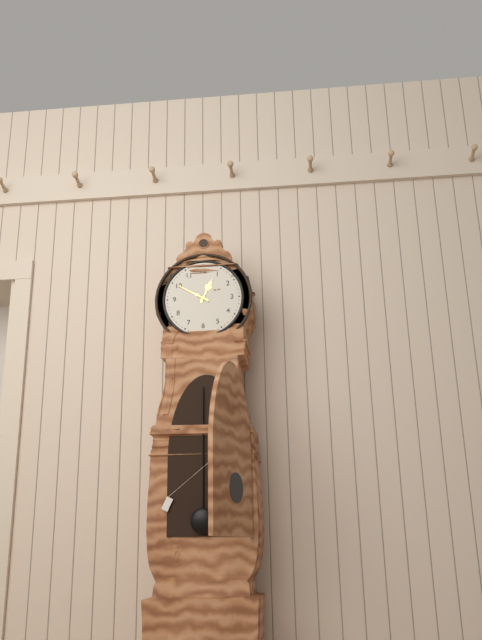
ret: {"hour": 12, "minute": 50}
